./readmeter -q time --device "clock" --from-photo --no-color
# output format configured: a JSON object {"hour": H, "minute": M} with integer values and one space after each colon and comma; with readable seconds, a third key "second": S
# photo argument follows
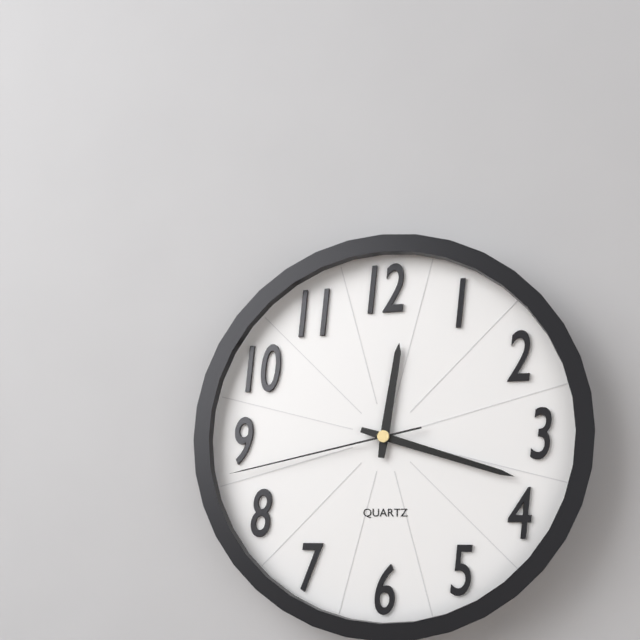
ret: {"hour": 12, "minute": 18, "second": 43}
